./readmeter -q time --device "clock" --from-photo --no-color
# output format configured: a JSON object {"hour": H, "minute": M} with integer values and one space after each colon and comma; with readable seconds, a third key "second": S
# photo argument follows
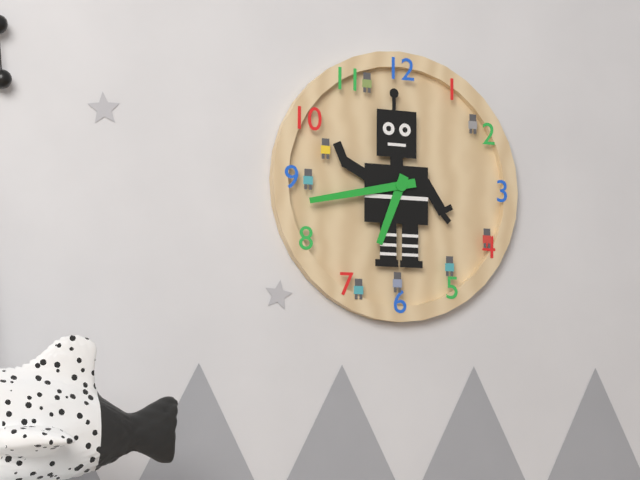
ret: {"hour": 6, "minute": 43}
